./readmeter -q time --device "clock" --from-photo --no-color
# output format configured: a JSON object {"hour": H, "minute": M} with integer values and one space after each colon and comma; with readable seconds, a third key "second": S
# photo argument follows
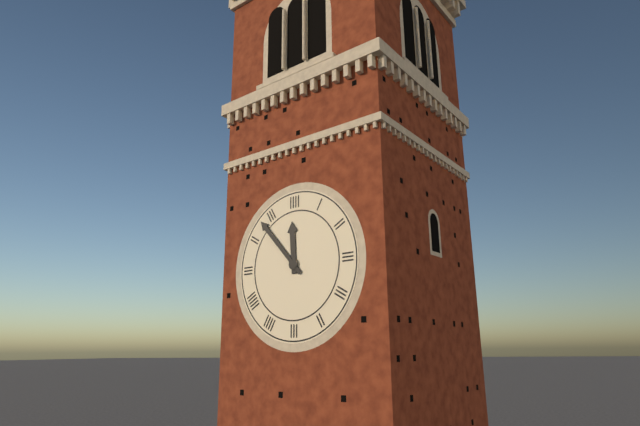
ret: {"hour": 11, "minute": 53}
